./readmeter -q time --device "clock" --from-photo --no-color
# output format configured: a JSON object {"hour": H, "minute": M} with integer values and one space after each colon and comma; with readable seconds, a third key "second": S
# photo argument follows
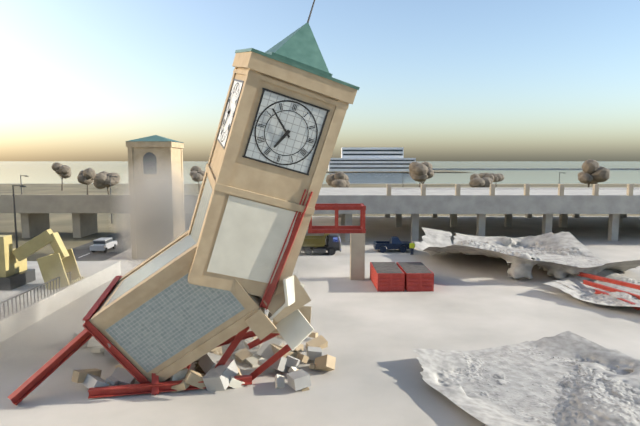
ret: {"hour": 6, "minute": 52}
